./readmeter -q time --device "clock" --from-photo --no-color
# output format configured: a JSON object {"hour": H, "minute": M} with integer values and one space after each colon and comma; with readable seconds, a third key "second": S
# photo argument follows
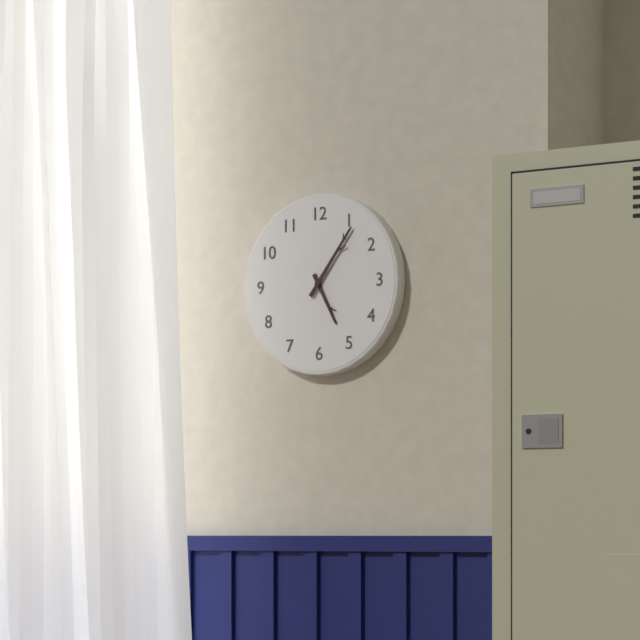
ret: {"hour": 5, "minute": 6}
